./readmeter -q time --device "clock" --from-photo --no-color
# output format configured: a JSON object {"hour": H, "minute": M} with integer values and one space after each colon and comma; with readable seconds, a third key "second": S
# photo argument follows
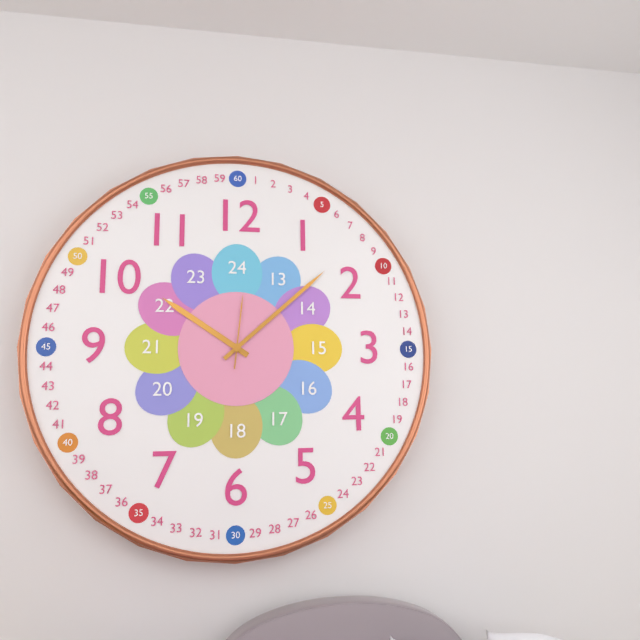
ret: {"hour": 10, "minute": 8, "second": 1}
